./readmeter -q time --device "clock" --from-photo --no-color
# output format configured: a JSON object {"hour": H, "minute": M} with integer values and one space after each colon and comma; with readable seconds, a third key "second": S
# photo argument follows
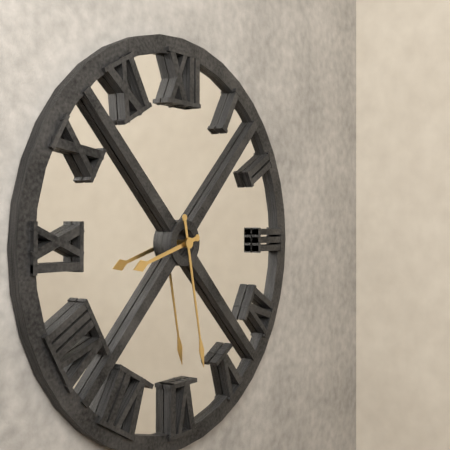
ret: {"hour": 8, "minute": 28}
